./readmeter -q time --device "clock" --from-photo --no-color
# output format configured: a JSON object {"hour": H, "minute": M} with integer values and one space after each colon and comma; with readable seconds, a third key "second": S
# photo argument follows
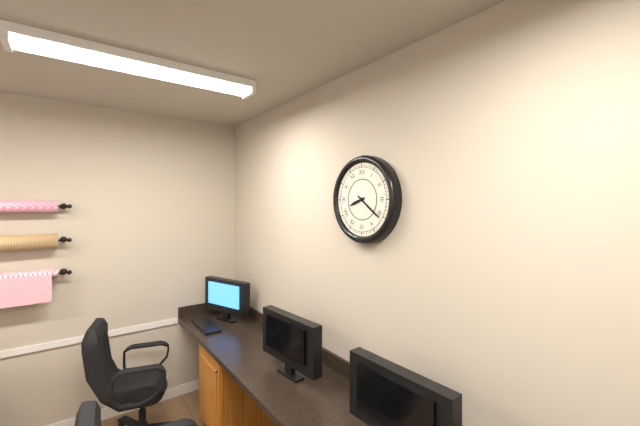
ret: {"hour": 8, "minute": 21}
